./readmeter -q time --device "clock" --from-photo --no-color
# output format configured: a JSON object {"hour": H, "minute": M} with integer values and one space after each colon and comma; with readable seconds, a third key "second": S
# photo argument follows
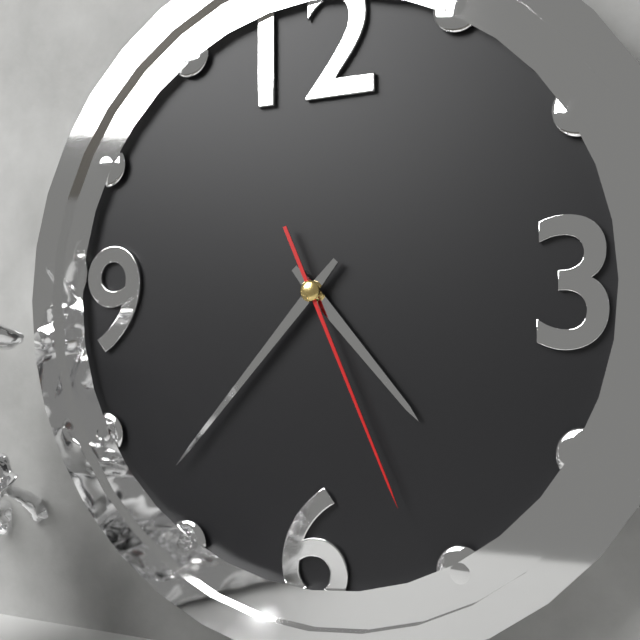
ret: {"hour": 4, "minute": 37, "second": 26}
